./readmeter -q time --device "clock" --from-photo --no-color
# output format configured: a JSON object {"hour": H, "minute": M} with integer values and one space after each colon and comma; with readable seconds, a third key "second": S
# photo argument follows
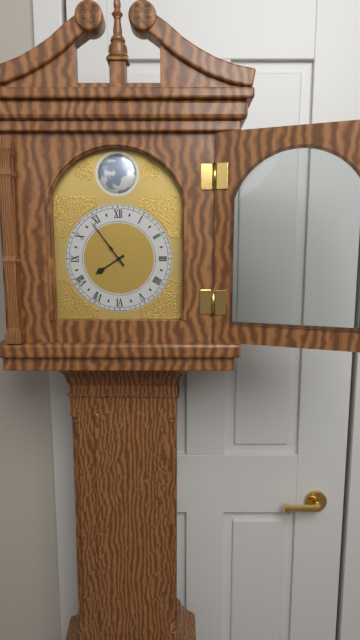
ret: {"hour": 7, "minute": 54}
